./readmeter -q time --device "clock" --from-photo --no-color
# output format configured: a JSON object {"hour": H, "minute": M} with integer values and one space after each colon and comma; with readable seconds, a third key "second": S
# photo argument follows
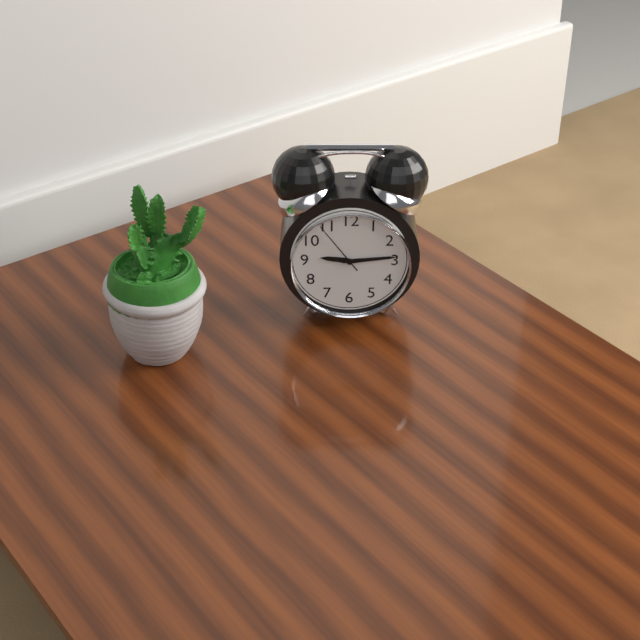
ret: {"hour": 9, "minute": 14, "second": 54}
